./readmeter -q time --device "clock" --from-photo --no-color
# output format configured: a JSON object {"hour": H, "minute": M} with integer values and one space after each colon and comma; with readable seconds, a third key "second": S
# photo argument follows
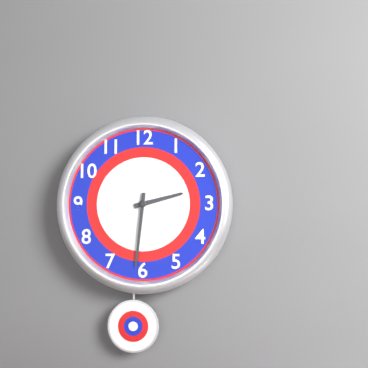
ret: {"hour": 2, "minute": 31}
